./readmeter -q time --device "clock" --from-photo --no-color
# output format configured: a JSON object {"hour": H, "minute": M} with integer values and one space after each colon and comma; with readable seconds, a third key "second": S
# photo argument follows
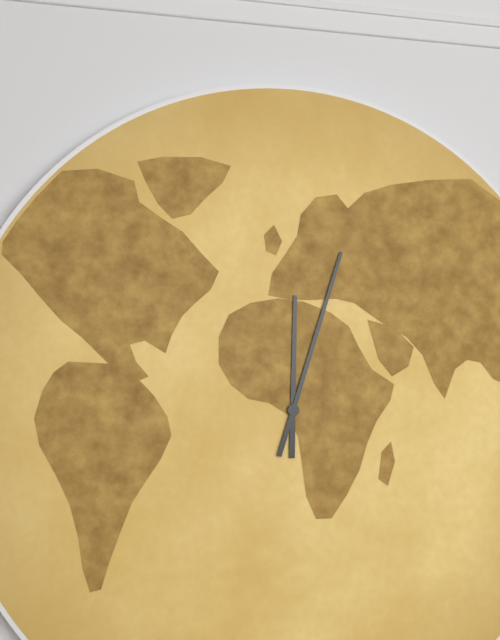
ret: {"hour": 12, "minute": 3}
